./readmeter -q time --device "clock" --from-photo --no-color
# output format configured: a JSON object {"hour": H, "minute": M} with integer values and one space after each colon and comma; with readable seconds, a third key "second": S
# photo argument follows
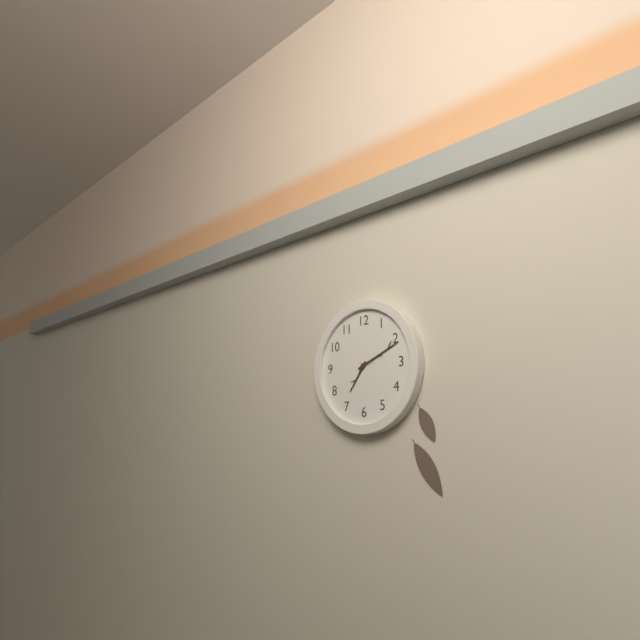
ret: {"hour": 7, "minute": 11}
